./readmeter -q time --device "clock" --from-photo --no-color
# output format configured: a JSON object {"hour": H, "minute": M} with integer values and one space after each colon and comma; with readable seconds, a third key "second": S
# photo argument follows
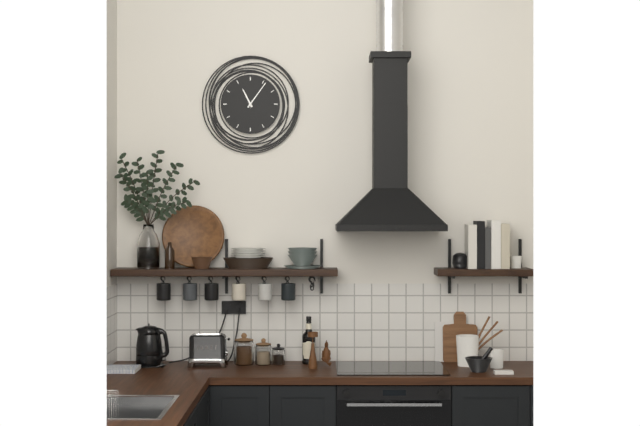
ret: {"hour": 11, "minute": 6}
